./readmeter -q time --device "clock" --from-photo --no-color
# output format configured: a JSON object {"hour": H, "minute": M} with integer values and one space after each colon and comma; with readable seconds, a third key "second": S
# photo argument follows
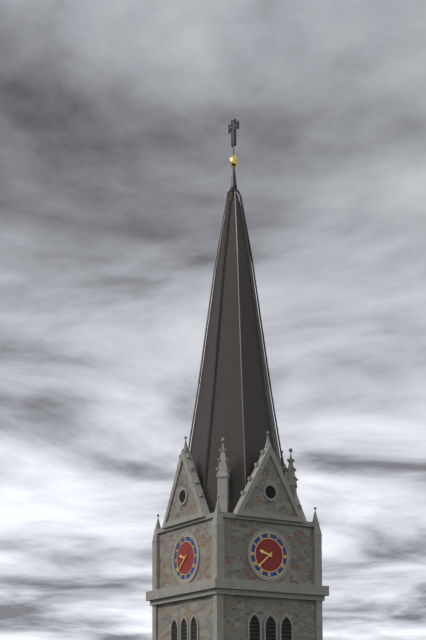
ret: {"hour": 9, "minute": 38}
